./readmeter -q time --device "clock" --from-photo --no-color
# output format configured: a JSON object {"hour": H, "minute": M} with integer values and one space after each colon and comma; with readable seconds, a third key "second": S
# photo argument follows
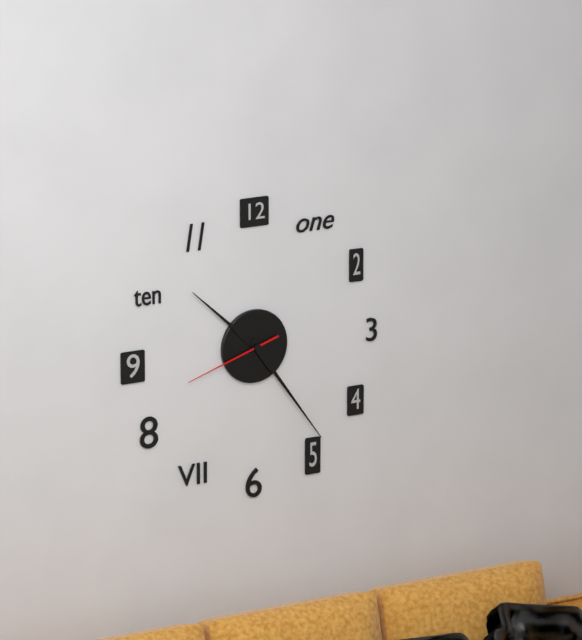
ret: {"hour": 10, "minute": 24, "second": 42}
